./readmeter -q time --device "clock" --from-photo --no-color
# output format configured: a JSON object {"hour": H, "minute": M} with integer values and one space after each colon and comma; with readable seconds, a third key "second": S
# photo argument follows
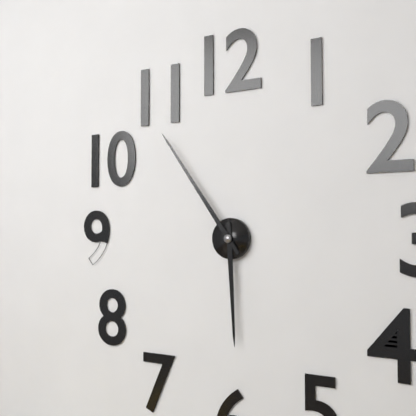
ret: {"hour": 5, "minute": 54}
